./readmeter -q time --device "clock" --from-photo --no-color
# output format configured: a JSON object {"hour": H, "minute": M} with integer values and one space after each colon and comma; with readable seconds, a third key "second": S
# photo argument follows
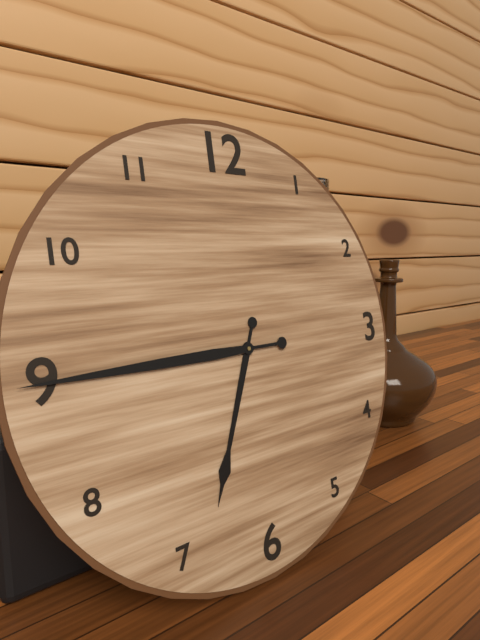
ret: {"hour": 6, "minute": 45}
